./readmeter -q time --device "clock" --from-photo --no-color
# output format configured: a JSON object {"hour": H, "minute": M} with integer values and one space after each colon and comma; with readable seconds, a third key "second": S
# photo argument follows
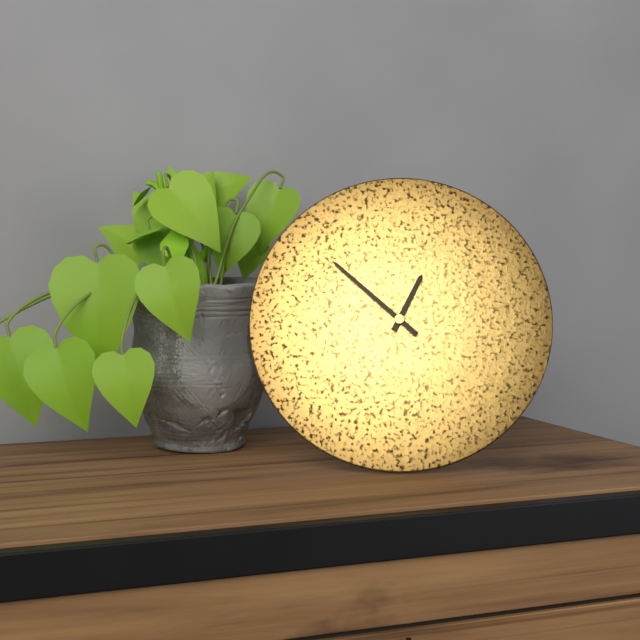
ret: {"hour": 12, "minute": 52}
